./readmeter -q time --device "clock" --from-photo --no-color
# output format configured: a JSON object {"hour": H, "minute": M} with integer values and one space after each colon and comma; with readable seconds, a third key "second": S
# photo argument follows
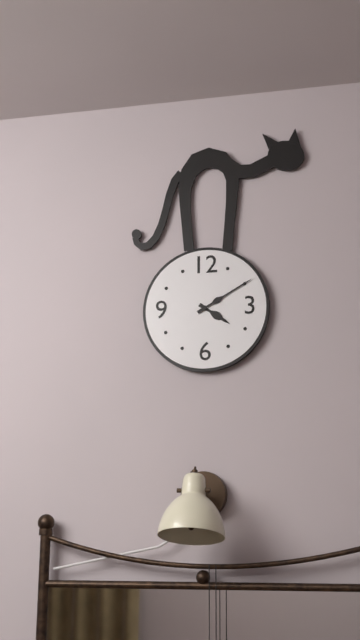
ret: {"hour": 4, "minute": 10}
